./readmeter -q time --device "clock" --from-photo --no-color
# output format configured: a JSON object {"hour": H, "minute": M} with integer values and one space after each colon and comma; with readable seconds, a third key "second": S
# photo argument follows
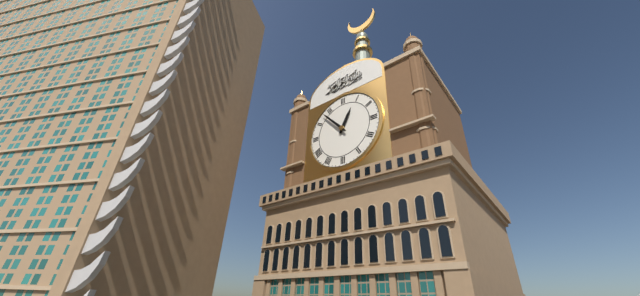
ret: {"hour": 12, "minute": 53}
